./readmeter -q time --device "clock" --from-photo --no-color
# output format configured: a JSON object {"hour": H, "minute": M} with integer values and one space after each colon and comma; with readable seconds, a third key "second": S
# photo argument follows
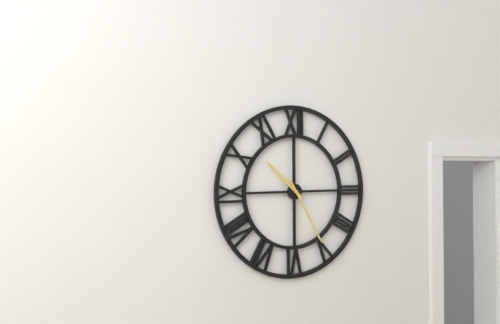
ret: {"hour": 10, "minute": 25}
